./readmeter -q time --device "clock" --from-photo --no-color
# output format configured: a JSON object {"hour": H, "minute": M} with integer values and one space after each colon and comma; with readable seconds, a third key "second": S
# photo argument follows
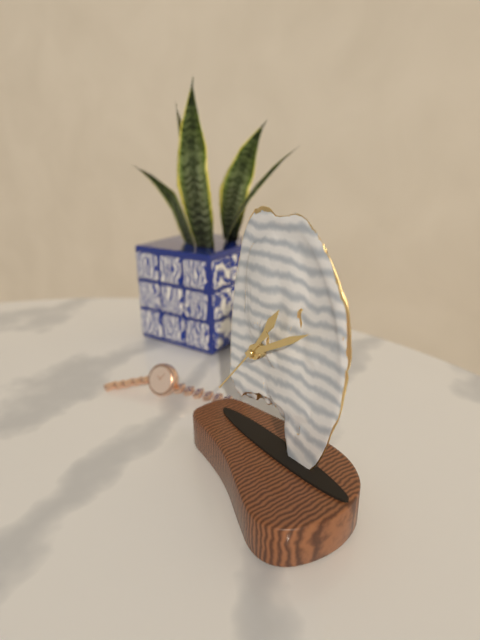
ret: {"hour": 1, "minute": 10, "second": 37}
